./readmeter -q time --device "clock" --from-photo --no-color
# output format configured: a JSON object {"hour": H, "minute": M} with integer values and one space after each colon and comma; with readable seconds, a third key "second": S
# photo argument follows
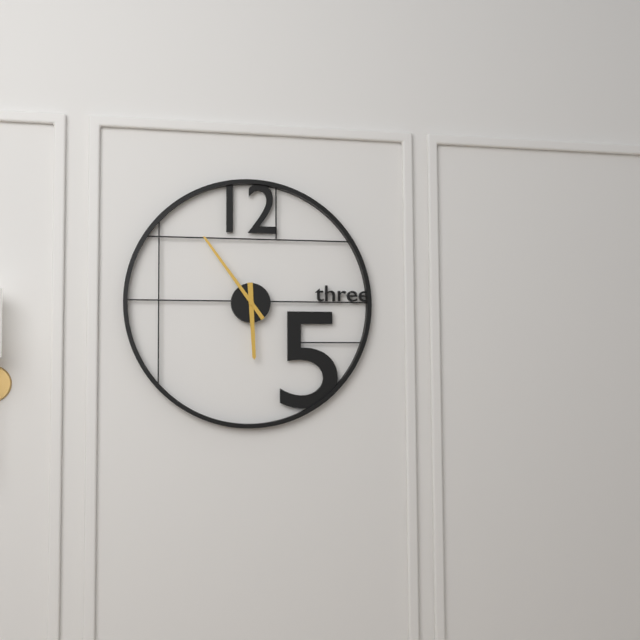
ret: {"hour": 5, "minute": 54}
